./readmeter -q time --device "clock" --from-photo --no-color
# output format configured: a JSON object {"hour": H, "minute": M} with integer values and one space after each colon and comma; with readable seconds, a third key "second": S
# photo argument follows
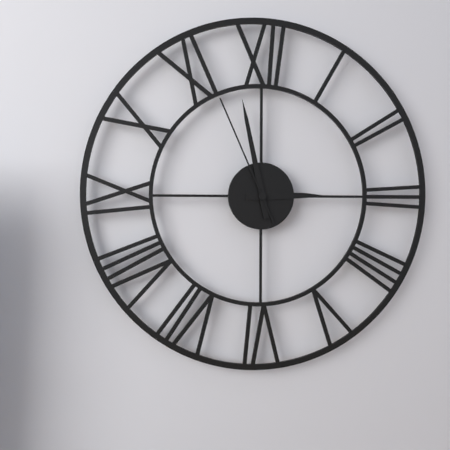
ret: {"hour": 2, "minute": 58, "second": 56}
